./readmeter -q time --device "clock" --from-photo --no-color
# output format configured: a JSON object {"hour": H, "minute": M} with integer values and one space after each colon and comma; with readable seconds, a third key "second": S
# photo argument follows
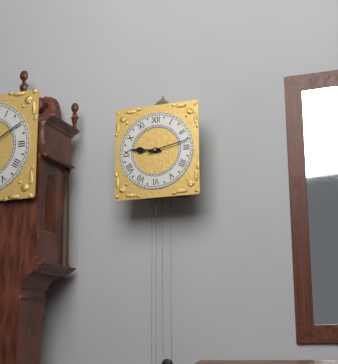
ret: {"hour": 9, "minute": 13}
